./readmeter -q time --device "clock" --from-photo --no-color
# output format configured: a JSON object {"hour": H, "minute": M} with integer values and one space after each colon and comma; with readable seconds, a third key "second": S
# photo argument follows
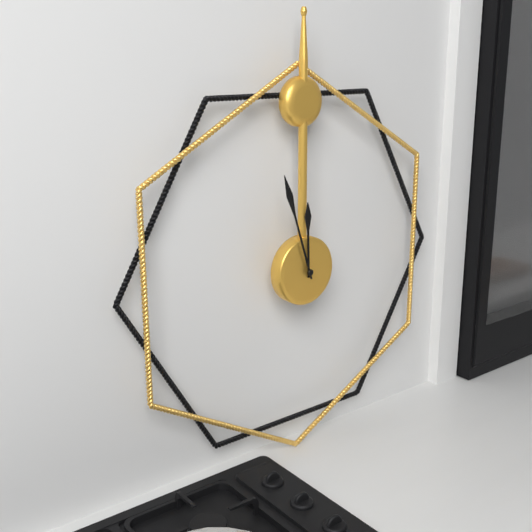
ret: {"hour": 11, "minute": 57}
